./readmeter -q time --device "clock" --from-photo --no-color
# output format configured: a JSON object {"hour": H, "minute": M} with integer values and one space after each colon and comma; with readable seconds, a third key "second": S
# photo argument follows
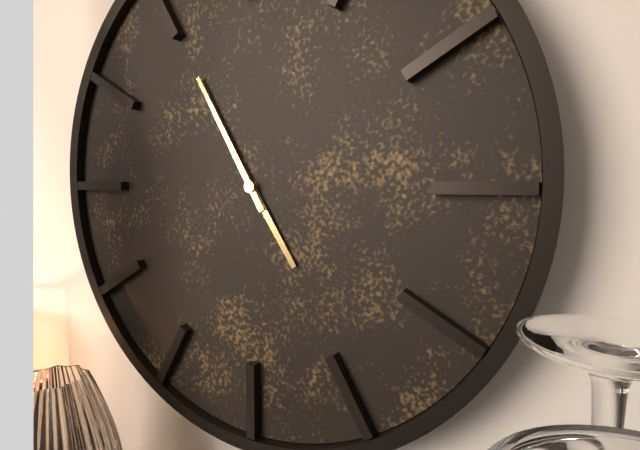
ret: {"hour": 4, "minute": 55}
